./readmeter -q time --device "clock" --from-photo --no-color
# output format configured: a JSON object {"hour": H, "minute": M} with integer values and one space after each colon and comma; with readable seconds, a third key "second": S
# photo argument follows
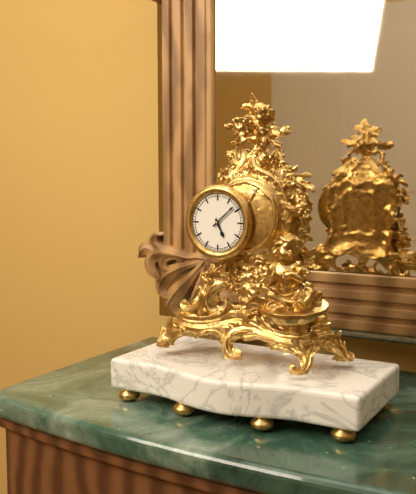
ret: {"hour": 5, "minute": 8}
